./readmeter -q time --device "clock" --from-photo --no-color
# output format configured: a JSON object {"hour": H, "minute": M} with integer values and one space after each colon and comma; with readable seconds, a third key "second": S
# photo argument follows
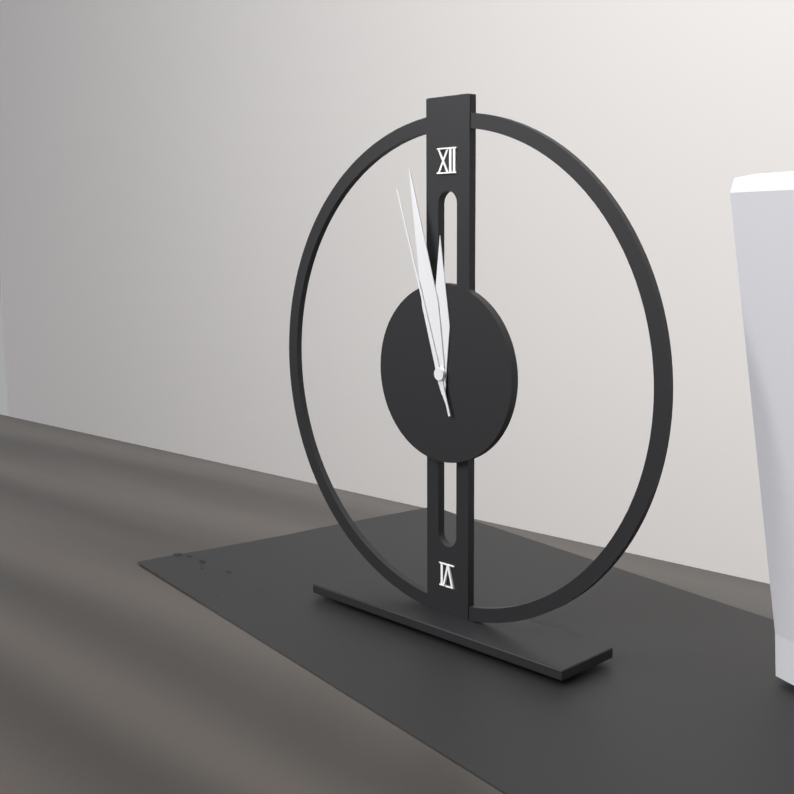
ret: {"hour": 11, "minute": 58, "second": 57}
